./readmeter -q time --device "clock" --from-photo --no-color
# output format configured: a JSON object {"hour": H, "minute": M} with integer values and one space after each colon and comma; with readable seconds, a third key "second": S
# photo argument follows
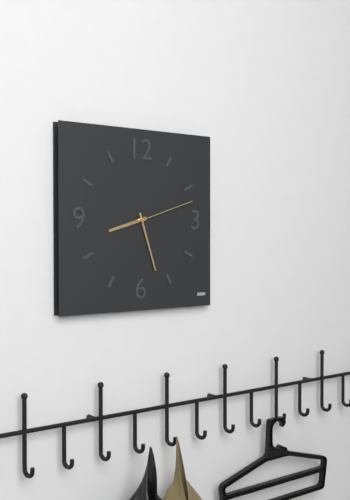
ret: {"hour": 8, "minute": 27, "second": 12}
